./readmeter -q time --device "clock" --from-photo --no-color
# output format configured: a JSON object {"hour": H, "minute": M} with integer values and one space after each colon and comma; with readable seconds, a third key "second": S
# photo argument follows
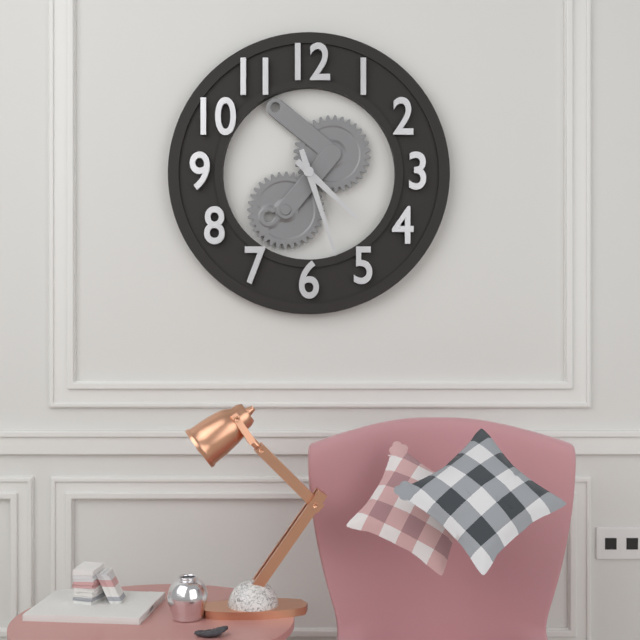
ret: {"hour": 4, "minute": 27}
